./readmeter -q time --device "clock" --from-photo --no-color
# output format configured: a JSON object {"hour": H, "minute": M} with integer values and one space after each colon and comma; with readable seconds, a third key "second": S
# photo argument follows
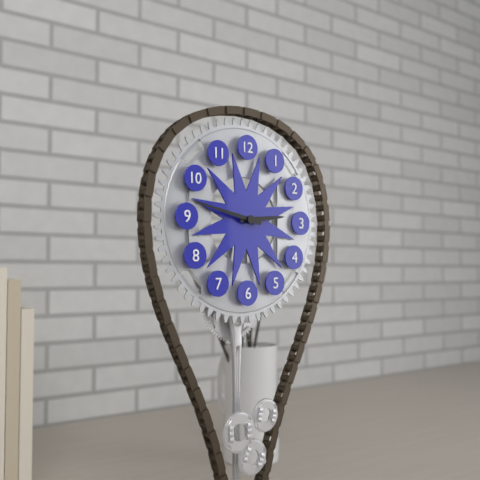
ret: {"hour": 2, "minute": 47}
